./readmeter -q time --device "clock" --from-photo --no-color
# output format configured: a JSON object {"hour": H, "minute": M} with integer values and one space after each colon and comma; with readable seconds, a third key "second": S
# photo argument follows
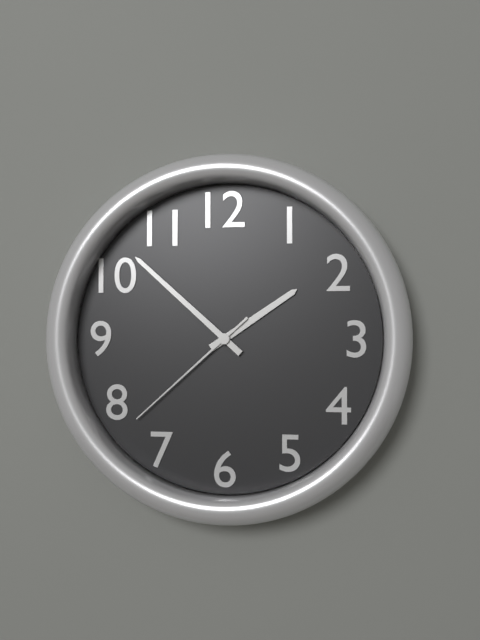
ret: {"hour": 1, "minute": 52, "second": 38}
